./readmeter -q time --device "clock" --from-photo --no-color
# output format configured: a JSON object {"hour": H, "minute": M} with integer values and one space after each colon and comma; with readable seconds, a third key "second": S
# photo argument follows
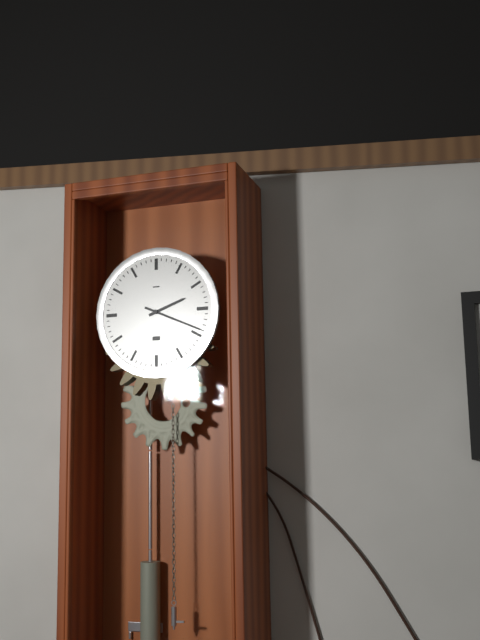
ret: {"hour": 2, "minute": 19}
